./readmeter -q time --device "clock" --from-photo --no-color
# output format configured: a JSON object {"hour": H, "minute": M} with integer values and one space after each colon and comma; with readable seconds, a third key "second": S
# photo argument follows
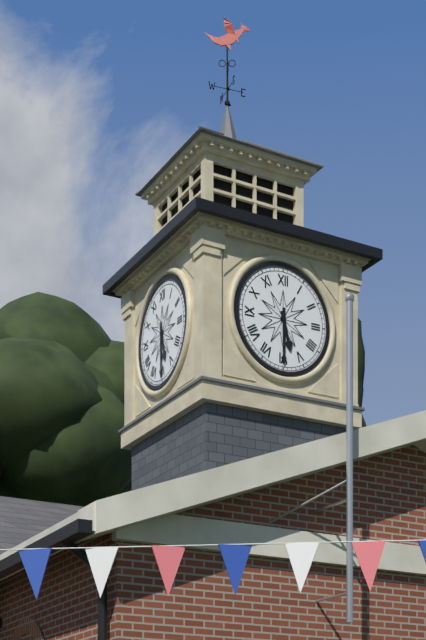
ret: {"hour": 5, "minute": 30}
